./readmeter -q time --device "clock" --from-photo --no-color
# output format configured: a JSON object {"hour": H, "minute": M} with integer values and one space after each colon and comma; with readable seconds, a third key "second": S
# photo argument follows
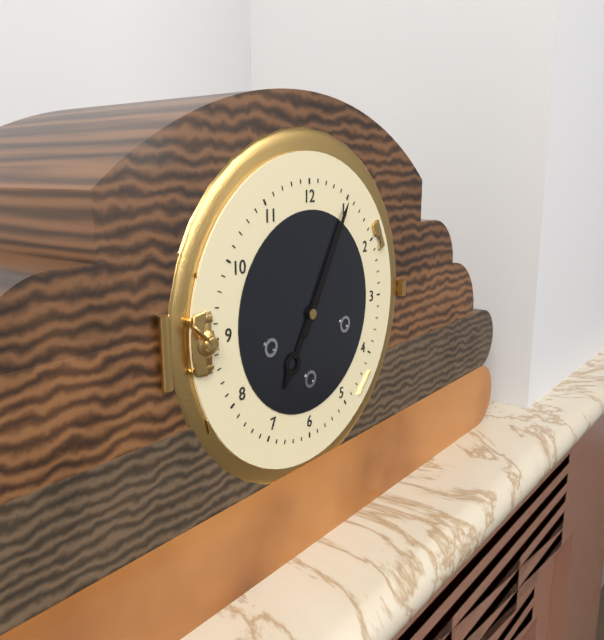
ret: {"hour": 7, "minute": 5}
